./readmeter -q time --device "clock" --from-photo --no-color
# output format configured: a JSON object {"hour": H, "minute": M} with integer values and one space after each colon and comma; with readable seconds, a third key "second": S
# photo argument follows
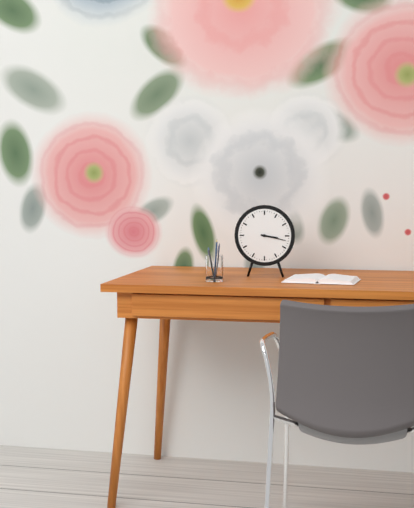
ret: {"hour": 3, "minute": 17}
